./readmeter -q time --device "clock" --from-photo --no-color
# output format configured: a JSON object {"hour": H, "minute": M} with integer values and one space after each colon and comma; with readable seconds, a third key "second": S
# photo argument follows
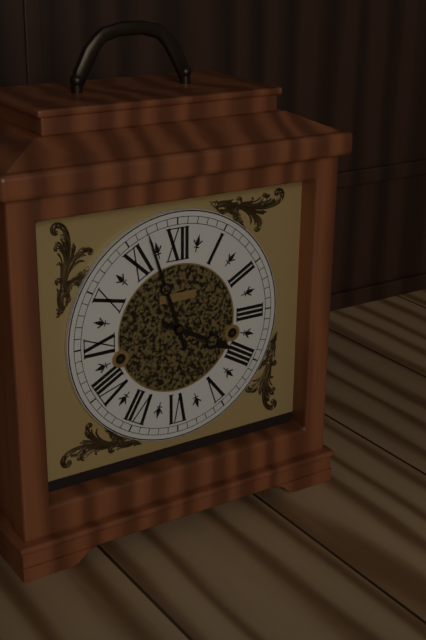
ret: {"hour": 3, "minute": 57}
